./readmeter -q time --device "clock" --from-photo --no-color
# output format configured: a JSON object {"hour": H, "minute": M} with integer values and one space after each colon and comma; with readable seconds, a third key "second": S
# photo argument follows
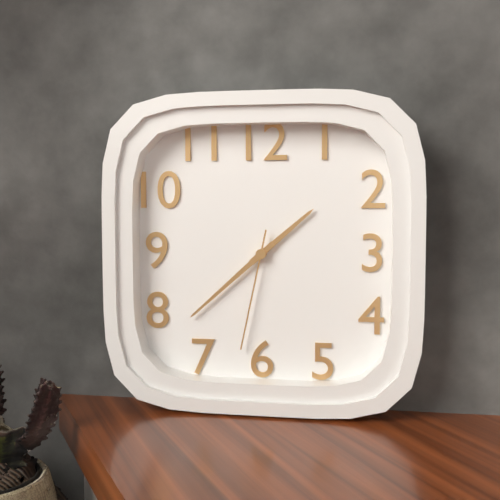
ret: {"hour": 1, "minute": 38, "second": 32}
